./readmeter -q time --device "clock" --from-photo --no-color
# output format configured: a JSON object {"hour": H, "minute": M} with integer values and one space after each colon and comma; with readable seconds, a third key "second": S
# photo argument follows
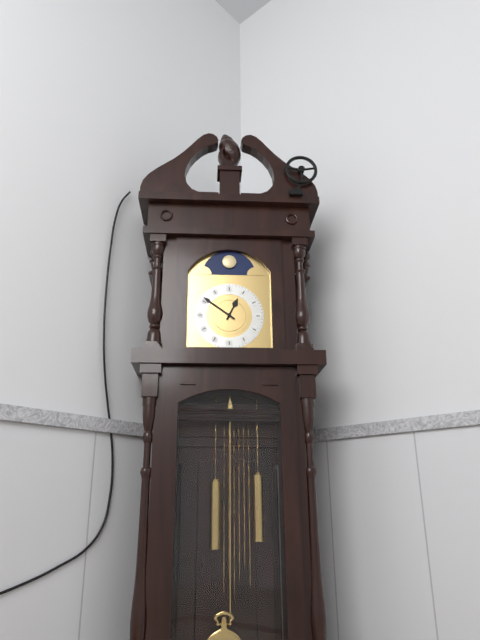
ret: {"hour": 12, "minute": 51}
